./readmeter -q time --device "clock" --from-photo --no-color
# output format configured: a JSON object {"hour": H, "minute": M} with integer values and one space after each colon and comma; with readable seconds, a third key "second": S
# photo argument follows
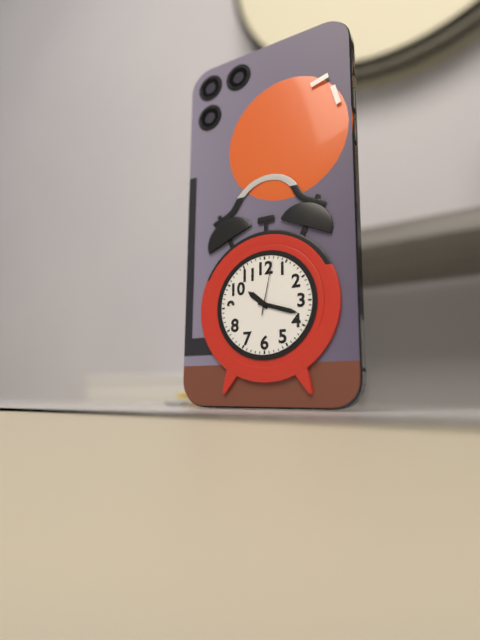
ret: {"hour": 10, "minute": 18, "second": 2}
